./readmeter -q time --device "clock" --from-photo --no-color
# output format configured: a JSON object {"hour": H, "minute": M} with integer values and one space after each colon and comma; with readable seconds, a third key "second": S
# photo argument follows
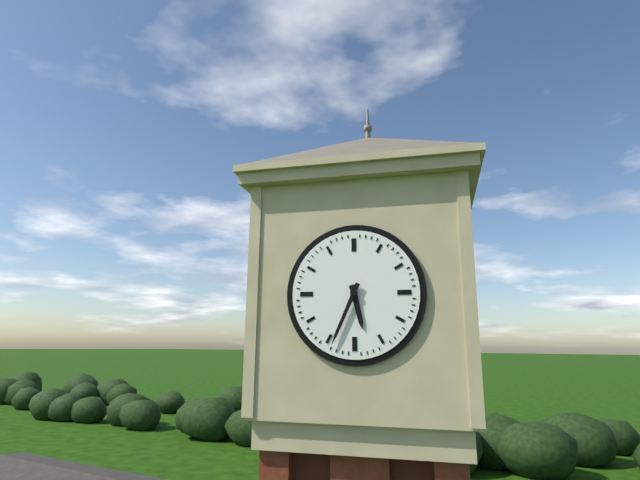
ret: {"hour": 5, "minute": 34}
